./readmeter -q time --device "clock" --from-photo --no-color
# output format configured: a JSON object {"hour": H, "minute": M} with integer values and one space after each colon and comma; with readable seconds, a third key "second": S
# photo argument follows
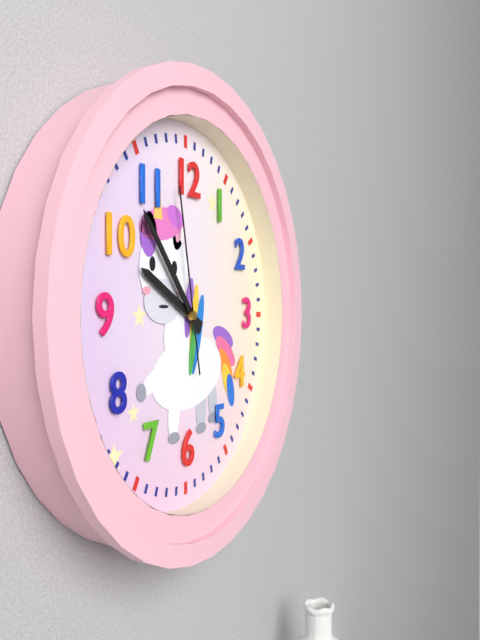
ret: {"hour": 9, "minute": 53, "second": 58}
